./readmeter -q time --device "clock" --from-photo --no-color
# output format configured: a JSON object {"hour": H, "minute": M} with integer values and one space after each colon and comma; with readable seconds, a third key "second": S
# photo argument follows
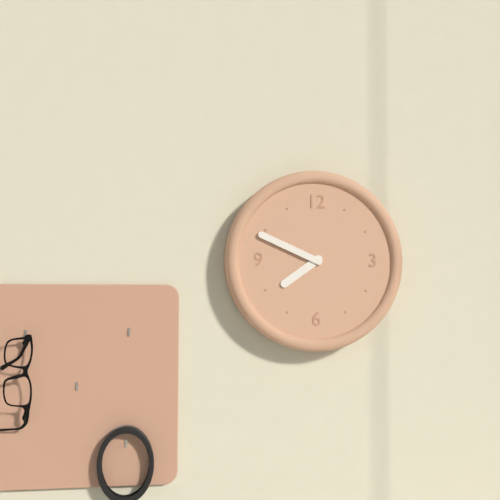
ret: {"hour": 7, "minute": 49}
